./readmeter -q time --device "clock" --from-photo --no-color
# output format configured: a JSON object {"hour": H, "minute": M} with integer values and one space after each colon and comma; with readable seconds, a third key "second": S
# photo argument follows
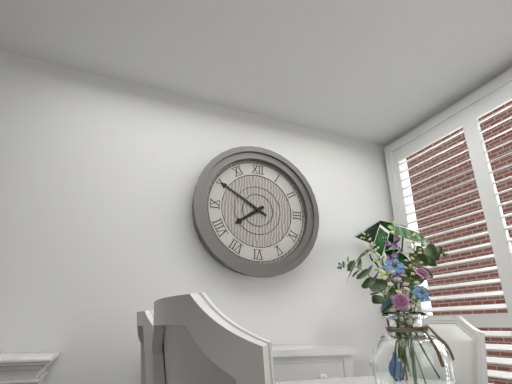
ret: {"hour": 7, "minute": 50}
